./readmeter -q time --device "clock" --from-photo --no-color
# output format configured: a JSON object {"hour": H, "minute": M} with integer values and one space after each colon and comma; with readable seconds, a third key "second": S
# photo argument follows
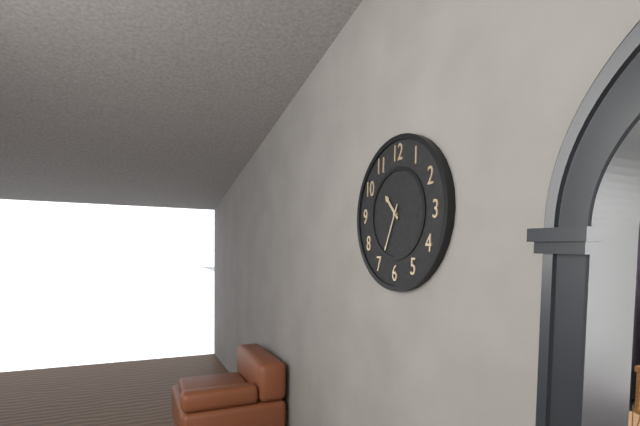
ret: {"hour": 10, "minute": 34}
